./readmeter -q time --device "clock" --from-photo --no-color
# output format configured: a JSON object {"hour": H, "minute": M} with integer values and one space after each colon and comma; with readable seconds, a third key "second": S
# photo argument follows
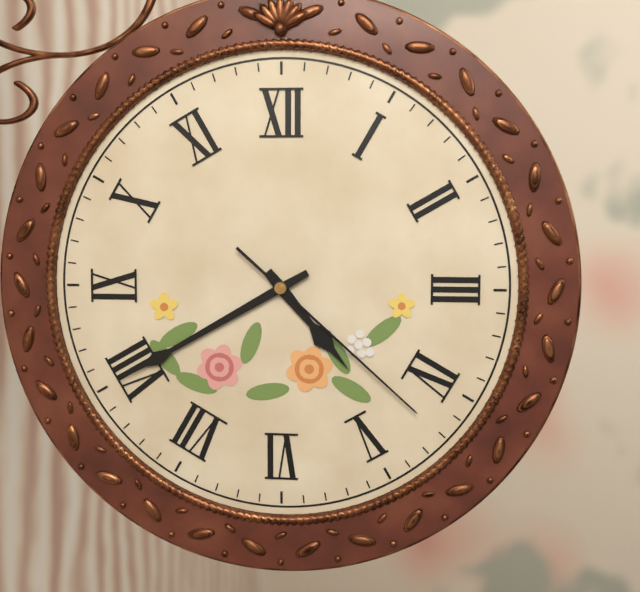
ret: {"hour": 4, "minute": 40, "second": 22}
